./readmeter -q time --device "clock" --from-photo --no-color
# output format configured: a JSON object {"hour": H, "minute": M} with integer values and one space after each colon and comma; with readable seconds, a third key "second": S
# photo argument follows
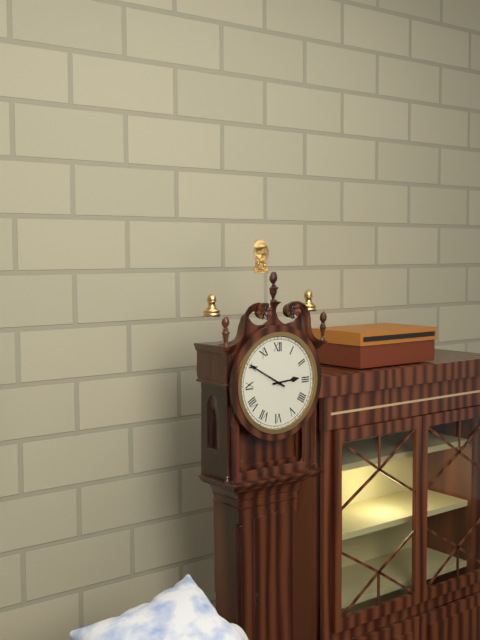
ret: {"hour": 2, "minute": 50}
